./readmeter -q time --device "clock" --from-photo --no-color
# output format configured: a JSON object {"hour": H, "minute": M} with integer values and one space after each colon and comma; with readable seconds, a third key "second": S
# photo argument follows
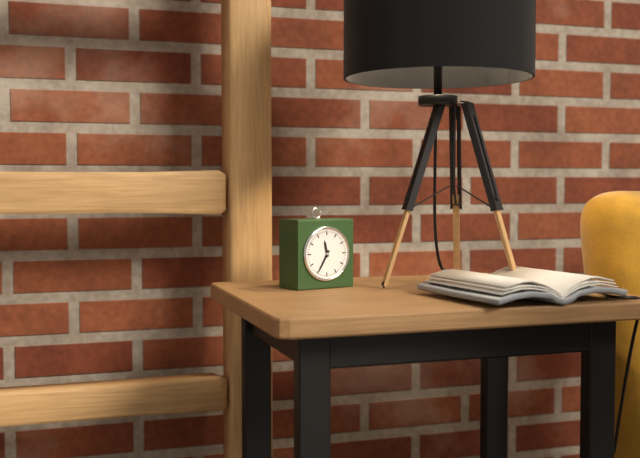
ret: {"hour": 11, "minute": 35}
